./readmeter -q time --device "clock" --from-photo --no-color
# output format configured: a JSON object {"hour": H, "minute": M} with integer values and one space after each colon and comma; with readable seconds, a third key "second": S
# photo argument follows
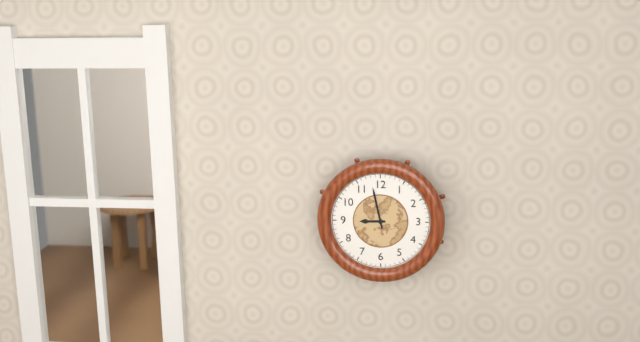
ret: {"hour": 8, "minute": 58}
